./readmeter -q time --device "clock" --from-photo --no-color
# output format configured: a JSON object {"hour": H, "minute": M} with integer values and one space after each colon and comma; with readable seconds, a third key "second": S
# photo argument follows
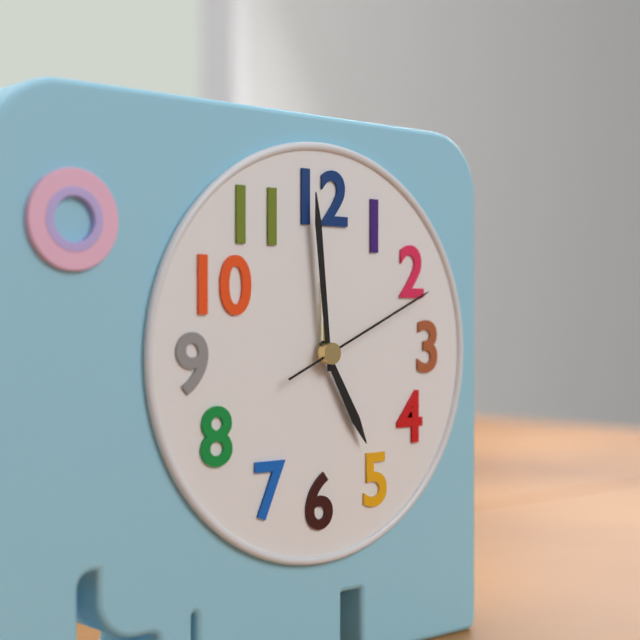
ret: {"hour": 4, "minute": 59, "second": 11}
